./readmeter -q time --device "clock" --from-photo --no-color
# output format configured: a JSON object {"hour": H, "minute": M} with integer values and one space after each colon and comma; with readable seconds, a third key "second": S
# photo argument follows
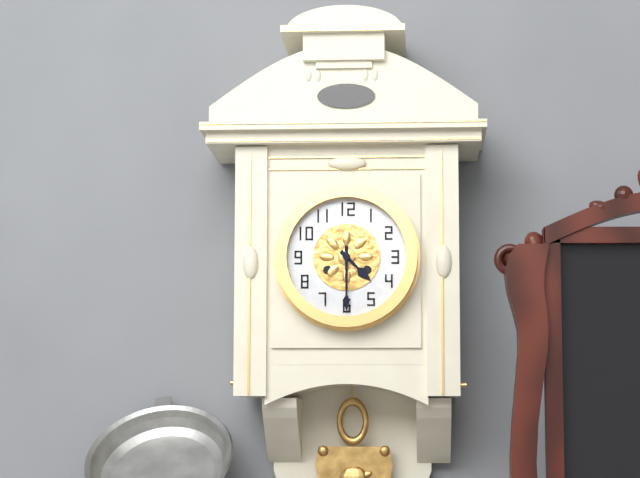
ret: {"hour": 4, "minute": 30}
